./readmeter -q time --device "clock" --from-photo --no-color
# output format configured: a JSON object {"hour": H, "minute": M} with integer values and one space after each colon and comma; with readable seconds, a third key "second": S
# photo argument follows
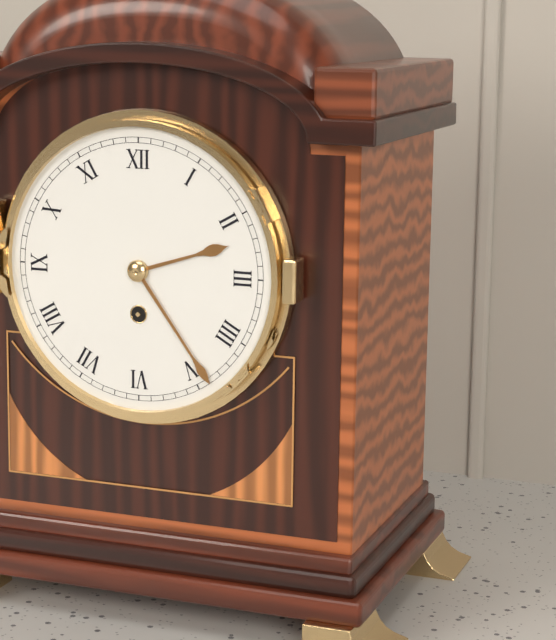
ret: {"hour": 2, "minute": 24}
